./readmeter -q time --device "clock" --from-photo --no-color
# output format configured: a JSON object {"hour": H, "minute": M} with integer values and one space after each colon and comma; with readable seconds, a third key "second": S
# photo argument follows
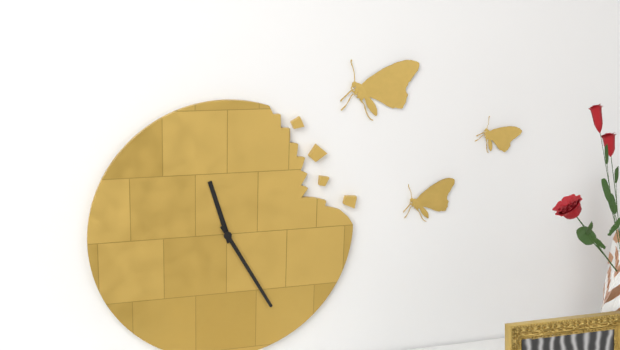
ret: {"hour": 11, "minute": 25}
